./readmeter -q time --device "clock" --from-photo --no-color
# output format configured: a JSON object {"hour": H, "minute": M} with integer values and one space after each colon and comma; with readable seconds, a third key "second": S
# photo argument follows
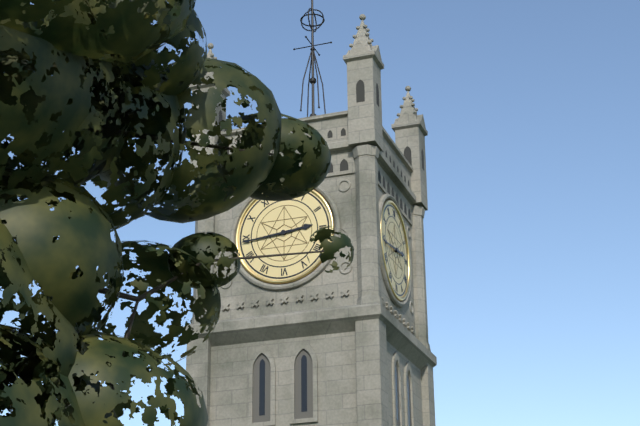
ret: {"hour": 2, "minute": 44}
